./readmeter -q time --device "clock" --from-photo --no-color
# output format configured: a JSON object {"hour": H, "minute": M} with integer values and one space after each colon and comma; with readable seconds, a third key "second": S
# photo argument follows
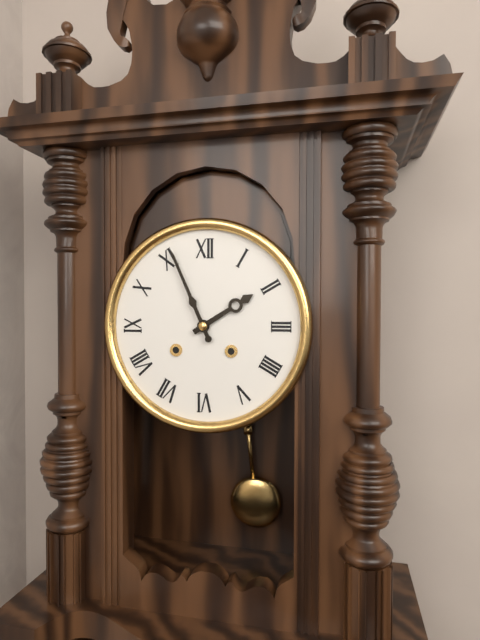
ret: {"hour": 1, "minute": 56}
